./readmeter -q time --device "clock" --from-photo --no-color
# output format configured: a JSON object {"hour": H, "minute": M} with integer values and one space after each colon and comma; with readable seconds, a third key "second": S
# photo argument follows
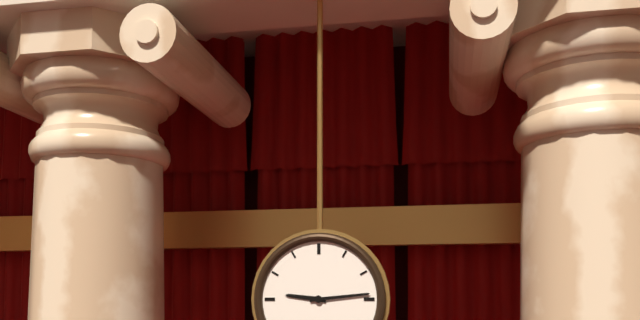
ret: {"hour": 9, "minute": 14}
